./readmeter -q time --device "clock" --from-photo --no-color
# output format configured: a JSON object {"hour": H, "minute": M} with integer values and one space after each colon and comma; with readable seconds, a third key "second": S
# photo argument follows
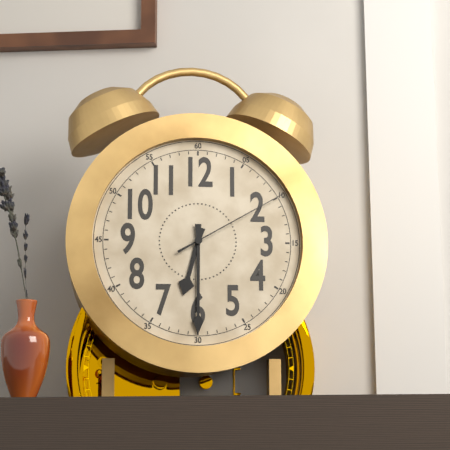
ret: {"hour": 6, "minute": 30, "second": 10}
